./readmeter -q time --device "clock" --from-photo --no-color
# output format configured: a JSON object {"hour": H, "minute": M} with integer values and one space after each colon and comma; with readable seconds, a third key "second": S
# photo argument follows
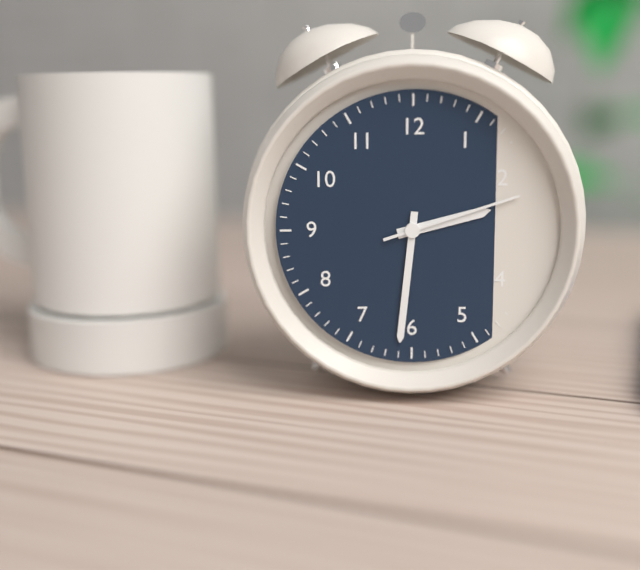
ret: {"hour": 2, "minute": 31, "second": 12}
